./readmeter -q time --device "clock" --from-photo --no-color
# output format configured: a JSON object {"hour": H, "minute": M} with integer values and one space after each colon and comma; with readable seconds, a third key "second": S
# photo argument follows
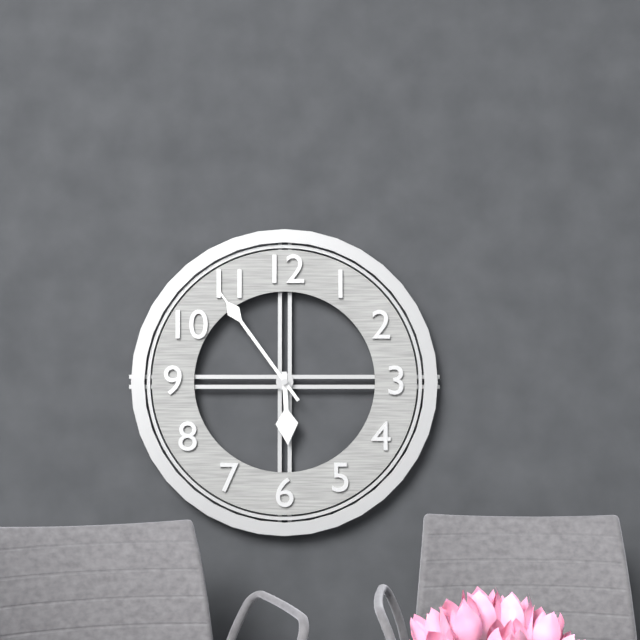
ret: {"hour": 5, "minute": 54}
